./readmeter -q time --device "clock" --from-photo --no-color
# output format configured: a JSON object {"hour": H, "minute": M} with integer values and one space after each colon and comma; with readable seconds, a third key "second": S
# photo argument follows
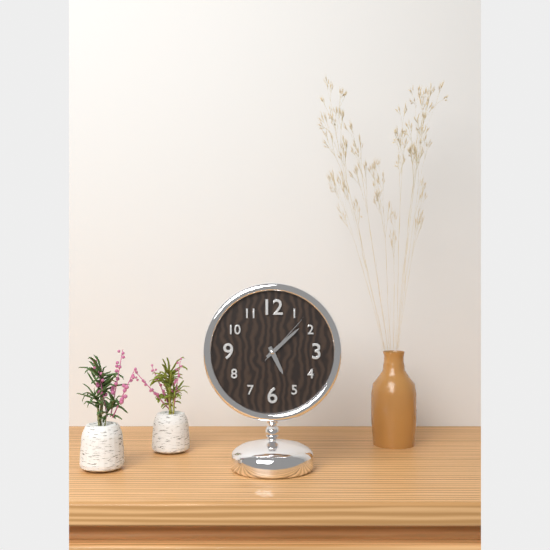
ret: {"hour": 5, "minute": 8, "second": 7}
